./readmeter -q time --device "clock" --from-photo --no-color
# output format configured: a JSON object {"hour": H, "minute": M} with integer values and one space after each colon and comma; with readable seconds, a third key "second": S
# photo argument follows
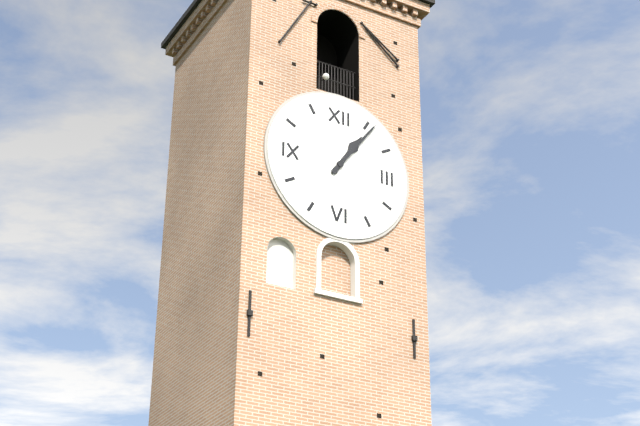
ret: {"hour": 1, "minute": 6}
